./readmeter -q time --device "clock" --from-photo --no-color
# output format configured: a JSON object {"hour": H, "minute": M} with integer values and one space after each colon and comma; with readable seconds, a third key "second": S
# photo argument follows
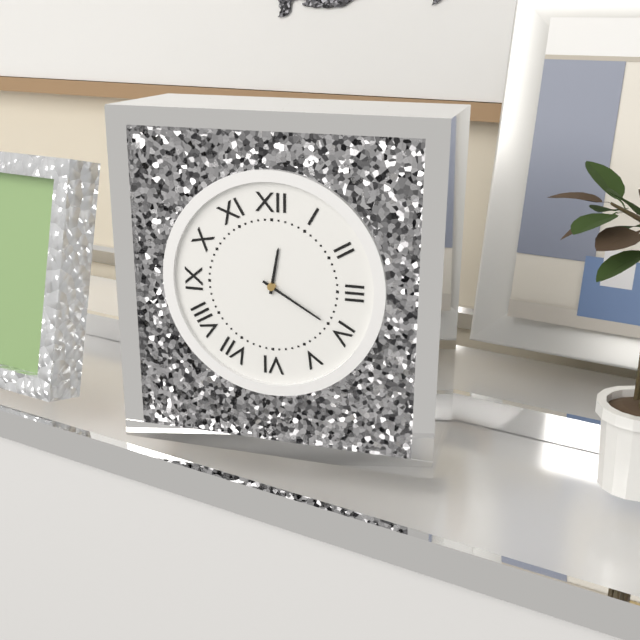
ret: {"hour": 12, "minute": 20}
